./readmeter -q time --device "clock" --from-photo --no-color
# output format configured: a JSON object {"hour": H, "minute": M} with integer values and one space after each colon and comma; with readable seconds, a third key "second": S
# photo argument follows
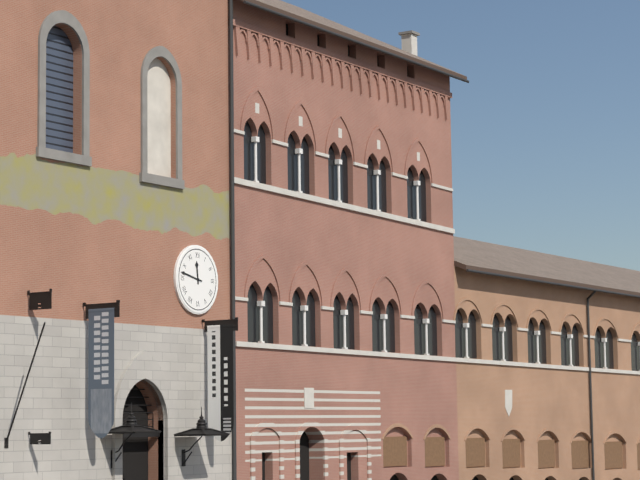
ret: {"hour": 11, "minute": 47}
